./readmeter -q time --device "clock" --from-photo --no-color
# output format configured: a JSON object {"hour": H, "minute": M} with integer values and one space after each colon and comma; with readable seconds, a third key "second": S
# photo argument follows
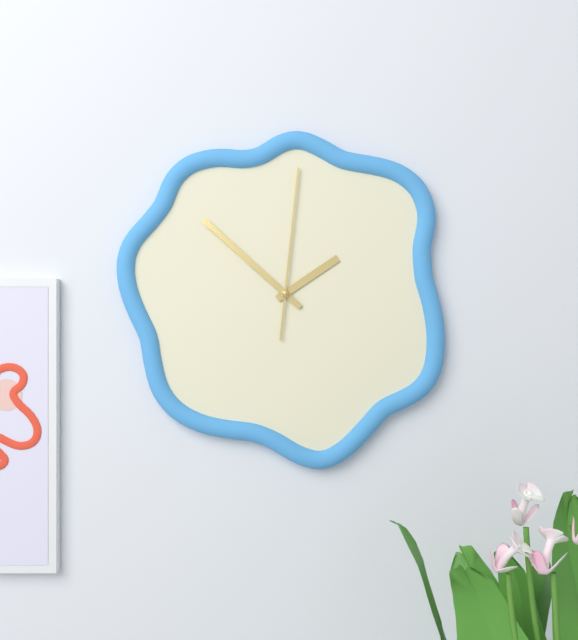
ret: {"hour": 1, "minute": 52, "second": 1}
